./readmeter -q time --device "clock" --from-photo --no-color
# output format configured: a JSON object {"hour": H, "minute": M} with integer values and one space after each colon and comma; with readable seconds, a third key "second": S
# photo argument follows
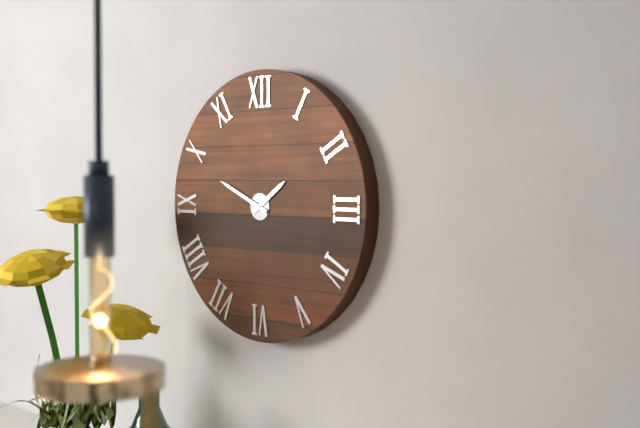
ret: {"hour": 1, "minute": 49}
